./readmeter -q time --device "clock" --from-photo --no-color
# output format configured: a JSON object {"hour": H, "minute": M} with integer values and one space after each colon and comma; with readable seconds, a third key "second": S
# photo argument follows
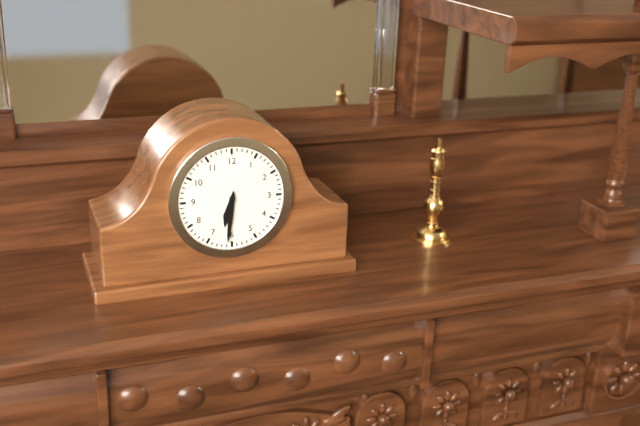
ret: {"hour": 6, "minute": 31}
